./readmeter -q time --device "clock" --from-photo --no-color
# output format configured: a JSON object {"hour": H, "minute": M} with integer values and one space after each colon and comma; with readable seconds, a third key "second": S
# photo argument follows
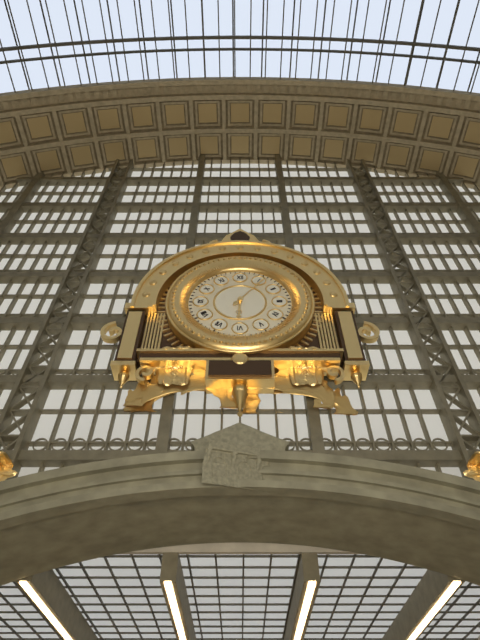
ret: {"hour": 6, "minute": 6}
